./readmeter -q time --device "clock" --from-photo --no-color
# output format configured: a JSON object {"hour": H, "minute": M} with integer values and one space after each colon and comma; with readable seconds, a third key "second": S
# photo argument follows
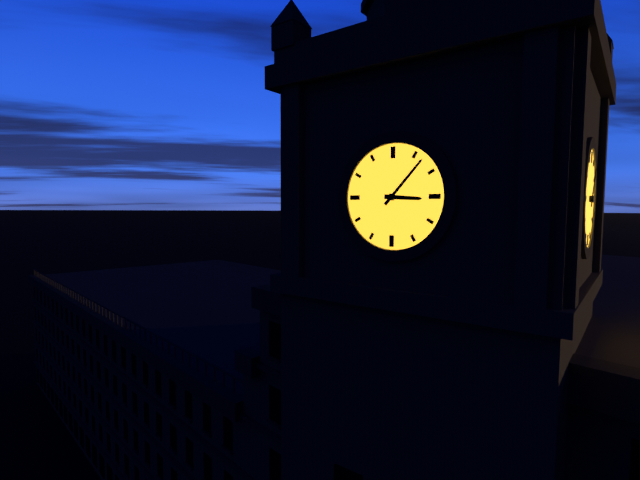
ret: {"hour": 3, "minute": 7}
